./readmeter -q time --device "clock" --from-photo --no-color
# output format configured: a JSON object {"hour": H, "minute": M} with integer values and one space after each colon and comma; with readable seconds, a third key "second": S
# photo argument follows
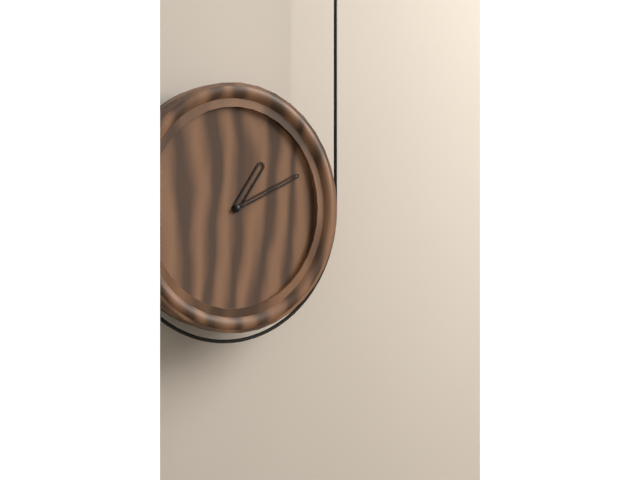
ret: {"hour": 1, "minute": 11}
